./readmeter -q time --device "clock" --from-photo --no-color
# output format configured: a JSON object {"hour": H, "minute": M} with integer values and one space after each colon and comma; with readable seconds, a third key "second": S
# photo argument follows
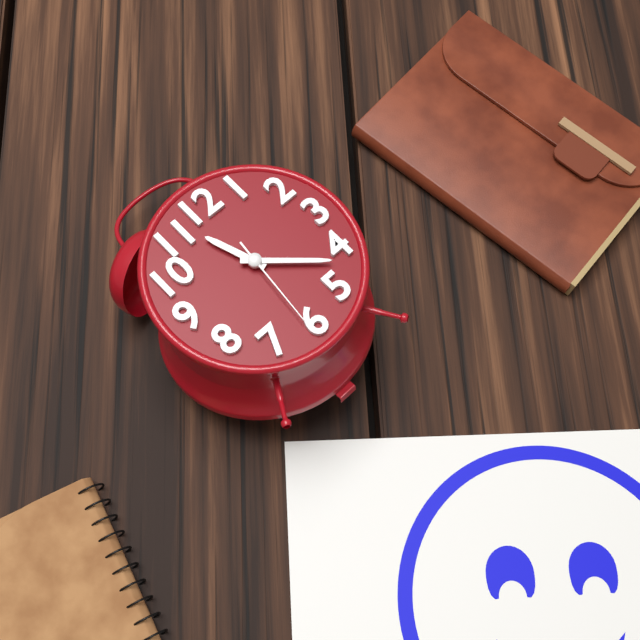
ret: {"hour": 11, "minute": 22, "second": 31}
